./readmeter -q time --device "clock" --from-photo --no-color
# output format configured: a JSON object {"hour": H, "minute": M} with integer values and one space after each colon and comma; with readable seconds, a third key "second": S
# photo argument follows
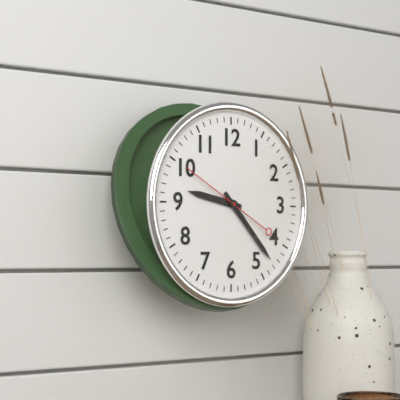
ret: {"hour": 9, "minute": 23, "second": 50}
